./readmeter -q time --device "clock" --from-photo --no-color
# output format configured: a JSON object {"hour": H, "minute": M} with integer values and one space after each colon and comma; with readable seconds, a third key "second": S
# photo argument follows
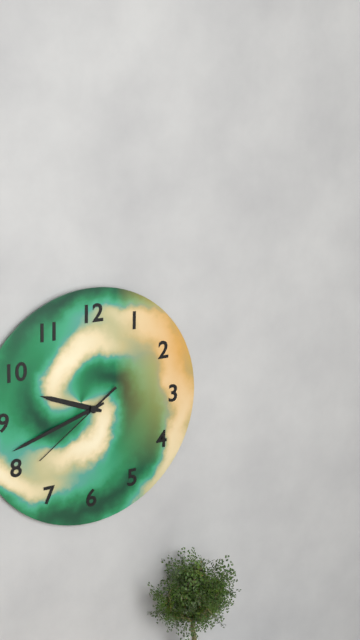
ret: {"hour": 9, "minute": 42, "second": 39}
